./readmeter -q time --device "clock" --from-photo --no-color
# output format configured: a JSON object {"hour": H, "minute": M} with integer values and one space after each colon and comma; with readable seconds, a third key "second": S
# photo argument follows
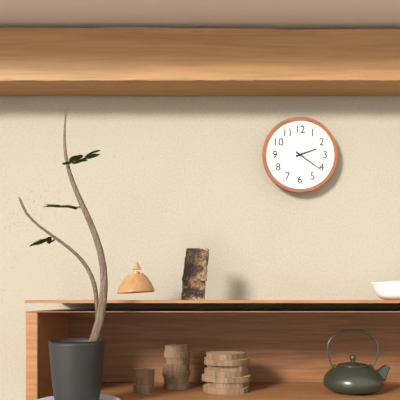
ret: {"hour": 2, "minute": 21}
